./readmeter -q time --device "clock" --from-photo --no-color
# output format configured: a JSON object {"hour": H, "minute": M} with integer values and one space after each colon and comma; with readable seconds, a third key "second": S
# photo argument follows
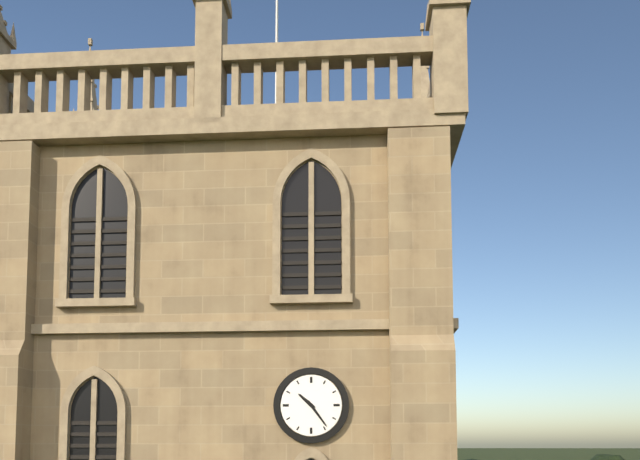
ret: {"hour": 10, "minute": 24}
